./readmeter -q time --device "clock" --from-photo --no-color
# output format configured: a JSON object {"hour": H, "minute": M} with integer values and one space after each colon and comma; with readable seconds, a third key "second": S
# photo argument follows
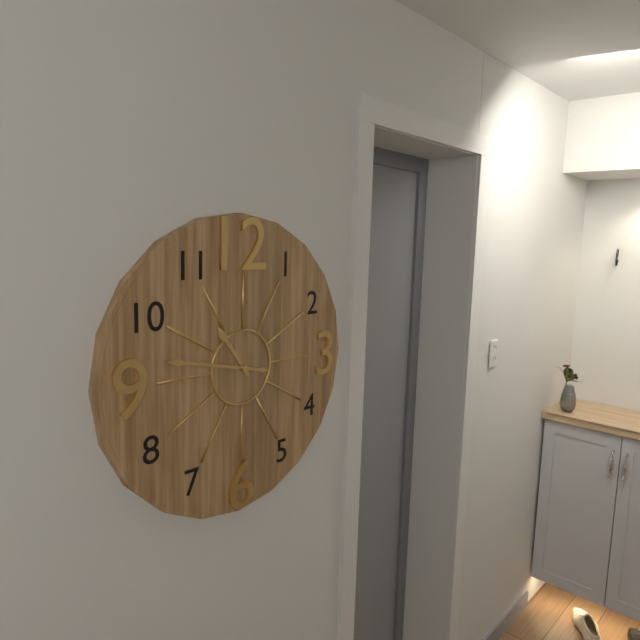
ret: {"hour": 10, "minute": 47}
